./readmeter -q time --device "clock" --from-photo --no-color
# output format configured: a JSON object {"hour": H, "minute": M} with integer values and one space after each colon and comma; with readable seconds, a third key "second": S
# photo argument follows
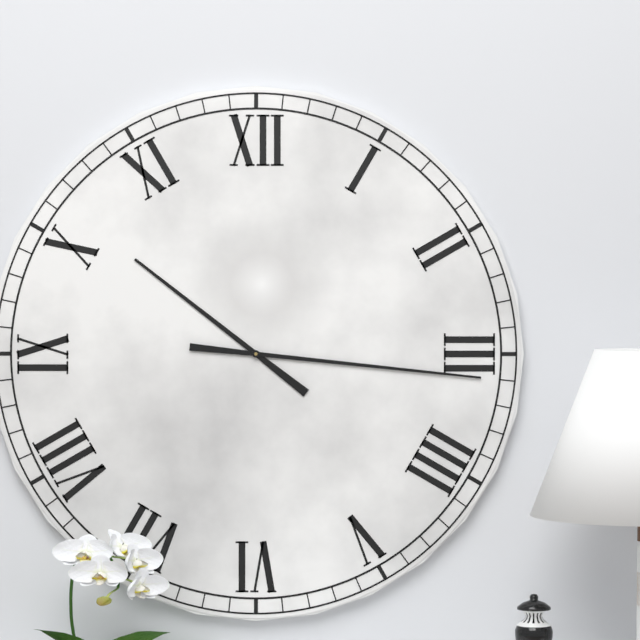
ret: {"hour": 10, "minute": 16}
